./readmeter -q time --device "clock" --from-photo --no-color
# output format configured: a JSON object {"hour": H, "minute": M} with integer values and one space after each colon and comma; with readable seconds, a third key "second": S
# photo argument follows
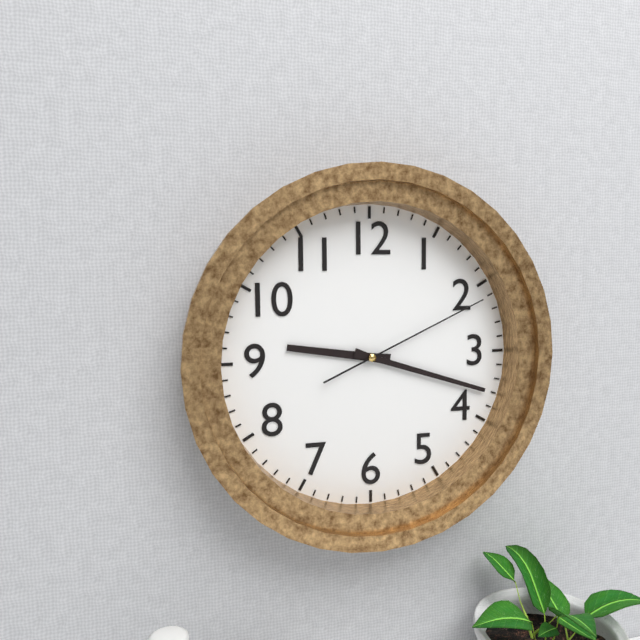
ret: {"hour": 9, "minute": 18, "second": 11}
